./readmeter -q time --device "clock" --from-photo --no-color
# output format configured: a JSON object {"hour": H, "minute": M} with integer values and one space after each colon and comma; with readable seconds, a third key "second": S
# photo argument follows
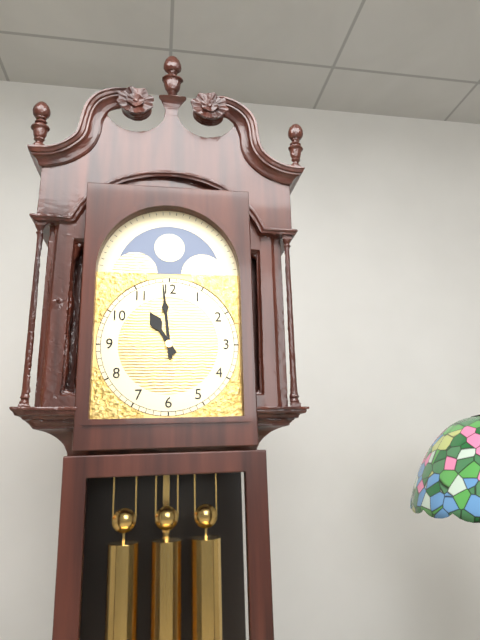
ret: {"hour": 10, "minute": 59}
